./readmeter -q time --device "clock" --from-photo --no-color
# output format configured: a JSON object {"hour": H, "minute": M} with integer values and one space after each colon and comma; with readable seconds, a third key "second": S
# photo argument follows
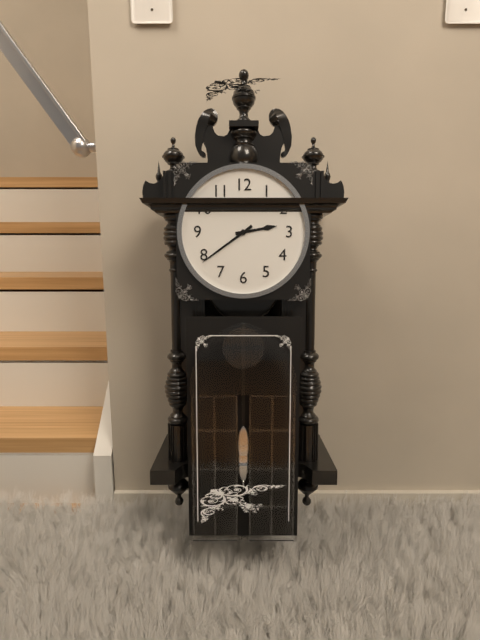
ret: {"hour": 2, "minute": 39}
